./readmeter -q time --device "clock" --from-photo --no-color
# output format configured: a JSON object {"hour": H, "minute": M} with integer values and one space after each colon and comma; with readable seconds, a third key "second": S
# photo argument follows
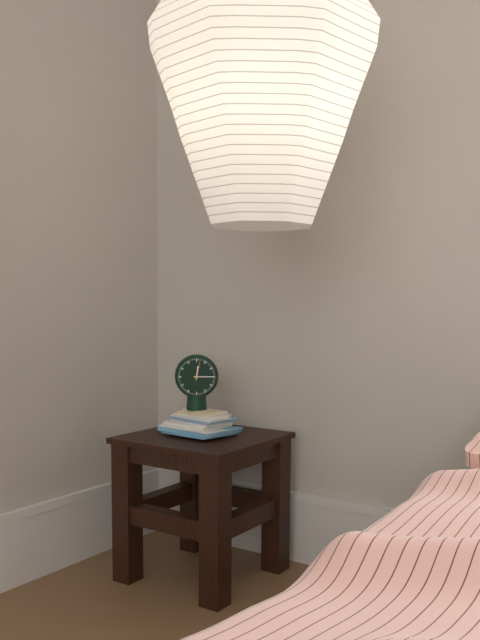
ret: {"hour": 12, "minute": 15}
